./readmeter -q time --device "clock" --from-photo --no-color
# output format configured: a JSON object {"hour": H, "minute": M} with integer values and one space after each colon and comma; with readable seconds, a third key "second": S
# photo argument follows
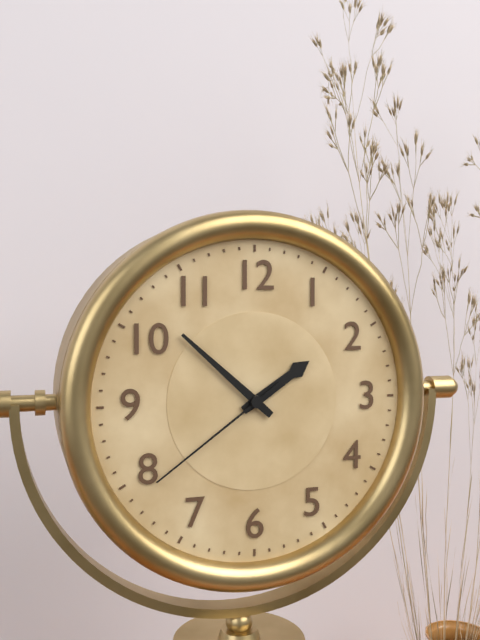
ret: {"hour": 1, "minute": 52, "second": 39}
